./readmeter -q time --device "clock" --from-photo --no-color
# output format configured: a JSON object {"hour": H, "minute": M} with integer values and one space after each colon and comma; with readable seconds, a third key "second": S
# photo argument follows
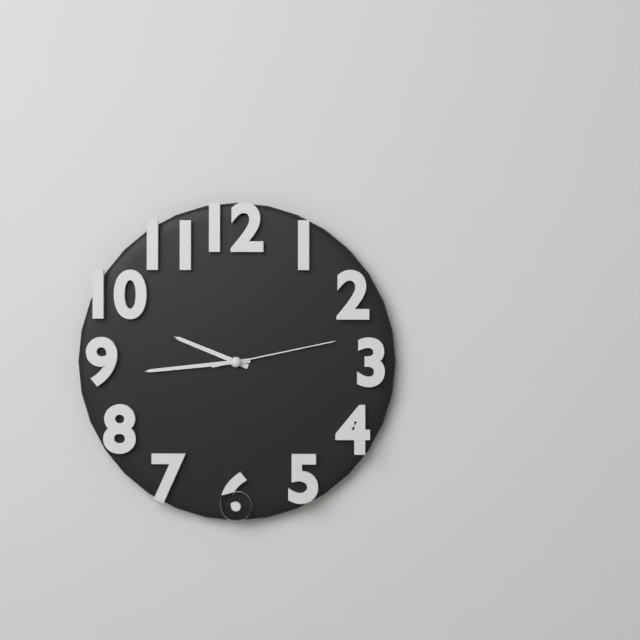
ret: {"hour": 9, "minute": 44, "second": 13}
